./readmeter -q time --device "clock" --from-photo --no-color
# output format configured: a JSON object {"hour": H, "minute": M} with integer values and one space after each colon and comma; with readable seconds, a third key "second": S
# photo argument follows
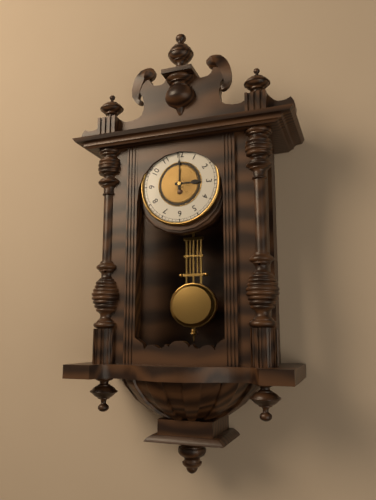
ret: {"hour": 3, "minute": 0}
